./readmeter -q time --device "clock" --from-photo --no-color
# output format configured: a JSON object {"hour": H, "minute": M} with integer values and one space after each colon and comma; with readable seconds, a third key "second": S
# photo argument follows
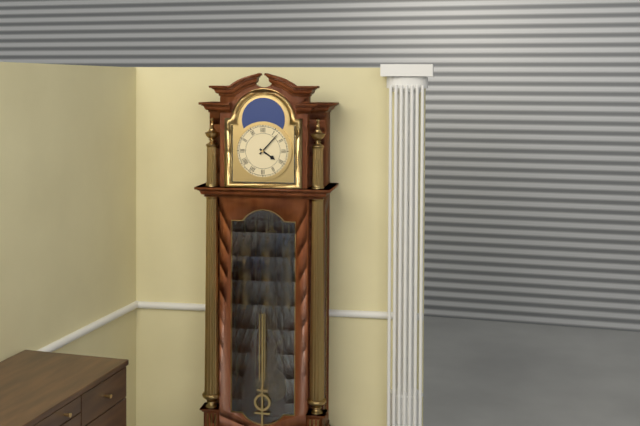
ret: {"hour": 4, "minute": 7}
